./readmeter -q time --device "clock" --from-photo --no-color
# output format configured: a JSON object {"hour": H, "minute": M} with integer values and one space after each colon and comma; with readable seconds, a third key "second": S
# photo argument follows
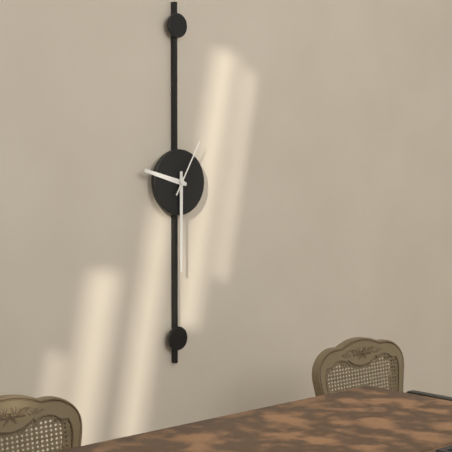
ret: {"hour": 9, "minute": 30, "second": 5}
